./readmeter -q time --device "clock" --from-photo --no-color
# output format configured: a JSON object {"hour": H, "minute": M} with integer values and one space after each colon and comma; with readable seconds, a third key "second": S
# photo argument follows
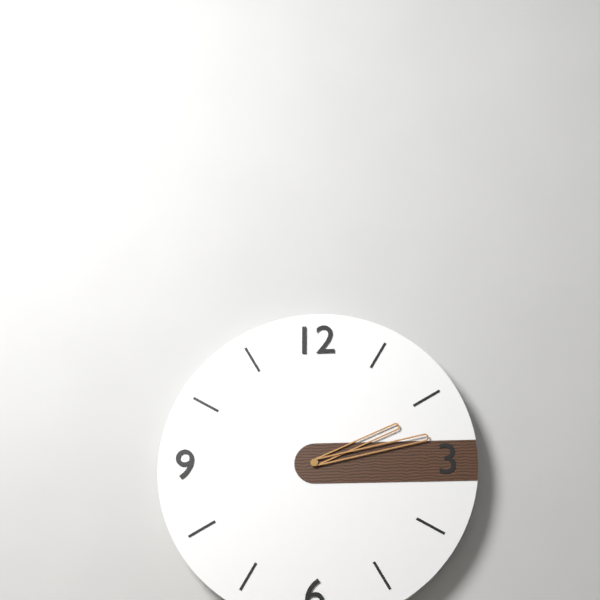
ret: {"hour": 2, "minute": 13}
